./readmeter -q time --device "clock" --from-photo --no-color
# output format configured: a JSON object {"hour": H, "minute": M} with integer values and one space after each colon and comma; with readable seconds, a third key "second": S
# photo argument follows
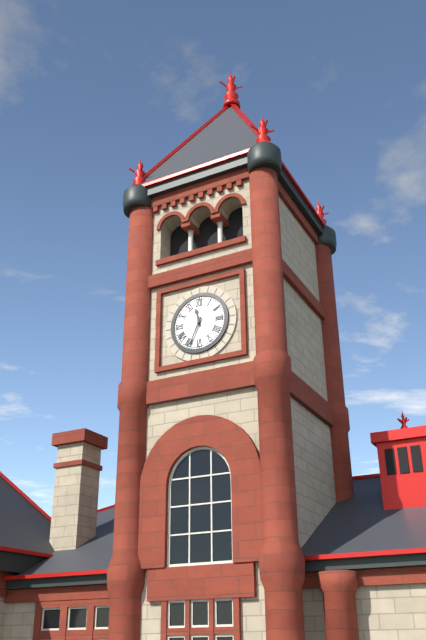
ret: {"hour": 11, "minute": 34}
